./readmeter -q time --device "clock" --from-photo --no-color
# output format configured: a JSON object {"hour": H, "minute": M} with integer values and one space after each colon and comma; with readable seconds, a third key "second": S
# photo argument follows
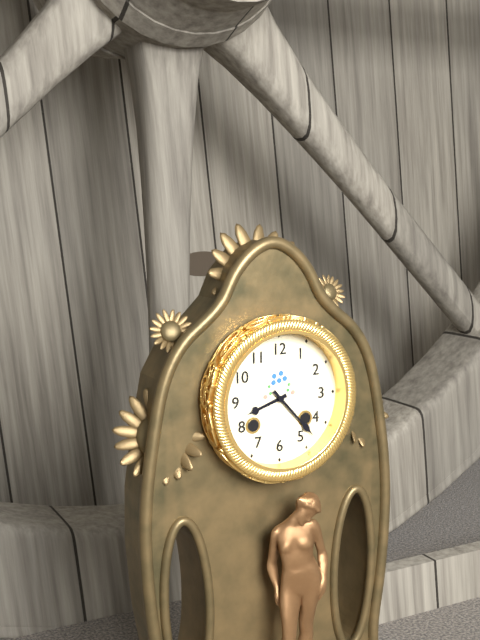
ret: {"hour": 8, "minute": 23}
